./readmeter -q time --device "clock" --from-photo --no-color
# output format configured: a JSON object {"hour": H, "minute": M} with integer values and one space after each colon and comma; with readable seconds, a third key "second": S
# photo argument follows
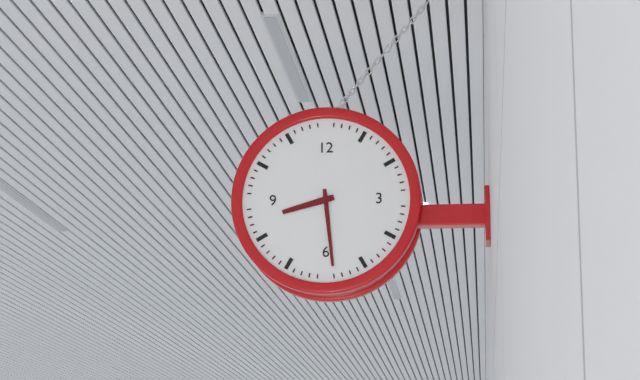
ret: {"hour": 8, "minute": 29}
